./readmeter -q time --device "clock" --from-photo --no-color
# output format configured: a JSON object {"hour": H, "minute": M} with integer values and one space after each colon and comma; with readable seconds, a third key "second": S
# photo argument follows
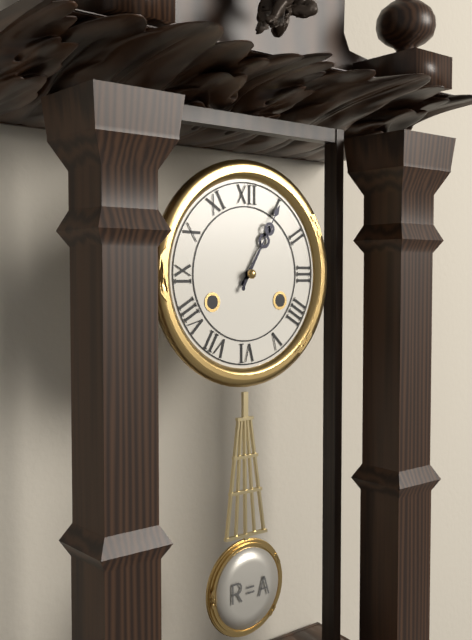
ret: {"hour": 1, "minute": 5}
